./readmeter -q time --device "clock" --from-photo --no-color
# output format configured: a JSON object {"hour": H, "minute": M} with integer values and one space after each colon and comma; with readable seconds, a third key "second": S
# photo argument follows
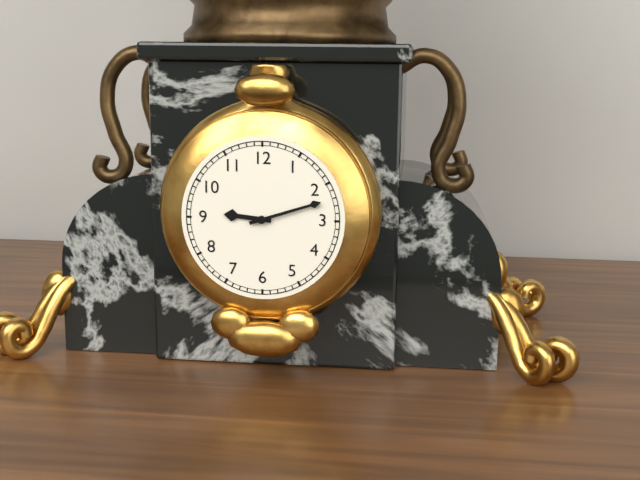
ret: {"hour": 9, "minute": 12}
